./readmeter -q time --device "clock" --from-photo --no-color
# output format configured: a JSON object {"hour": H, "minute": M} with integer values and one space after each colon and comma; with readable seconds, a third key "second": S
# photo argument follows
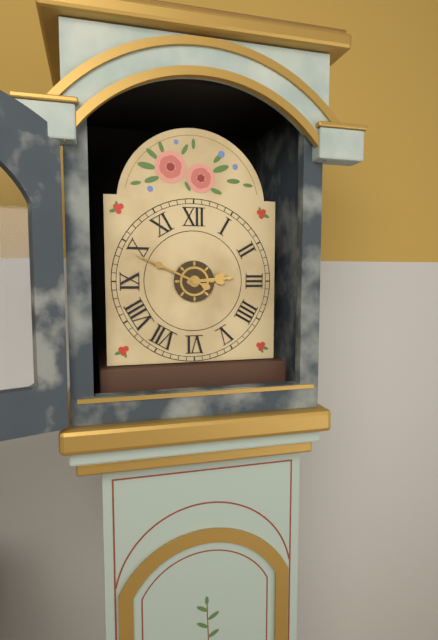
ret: {"hour": 2, "minute": 49}
